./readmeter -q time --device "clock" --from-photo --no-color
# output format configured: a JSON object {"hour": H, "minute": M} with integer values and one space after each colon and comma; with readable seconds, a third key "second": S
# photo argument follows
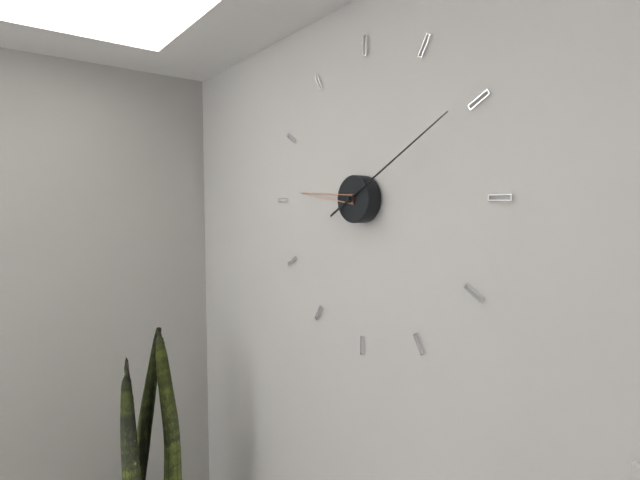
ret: {"hour": 9, "minute": 10}
